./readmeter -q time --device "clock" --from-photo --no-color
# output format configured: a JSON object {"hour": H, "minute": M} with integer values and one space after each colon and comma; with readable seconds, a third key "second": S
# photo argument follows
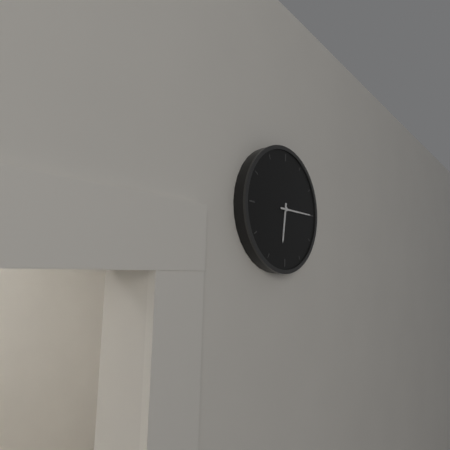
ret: {"hour": 6, "minute": 15}
